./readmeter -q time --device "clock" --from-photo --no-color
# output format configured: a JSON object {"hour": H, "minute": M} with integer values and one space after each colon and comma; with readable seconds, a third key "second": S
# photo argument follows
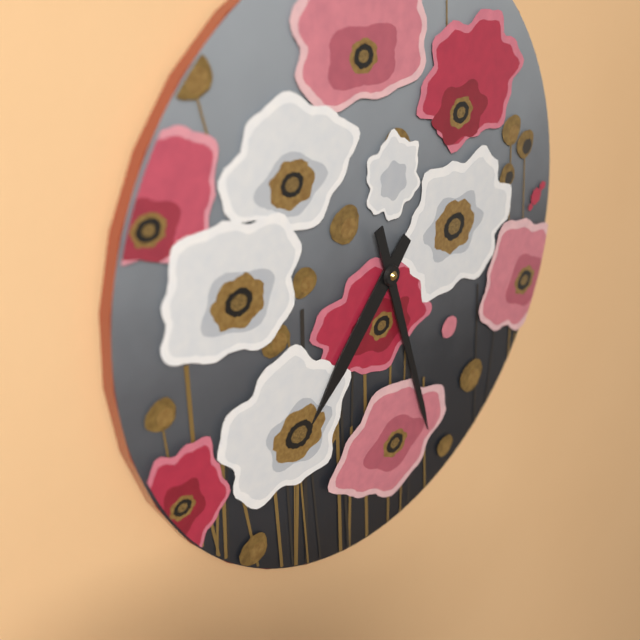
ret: {"hour": 7, "minute": 27}
